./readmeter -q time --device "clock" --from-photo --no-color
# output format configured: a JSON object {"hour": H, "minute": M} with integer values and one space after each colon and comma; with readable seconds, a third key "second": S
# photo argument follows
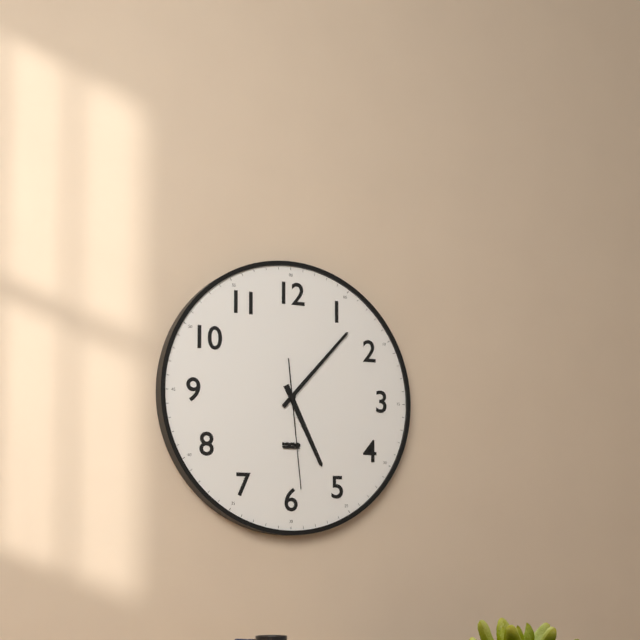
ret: {"hour": 5, "minute": 7, "second": 29}
